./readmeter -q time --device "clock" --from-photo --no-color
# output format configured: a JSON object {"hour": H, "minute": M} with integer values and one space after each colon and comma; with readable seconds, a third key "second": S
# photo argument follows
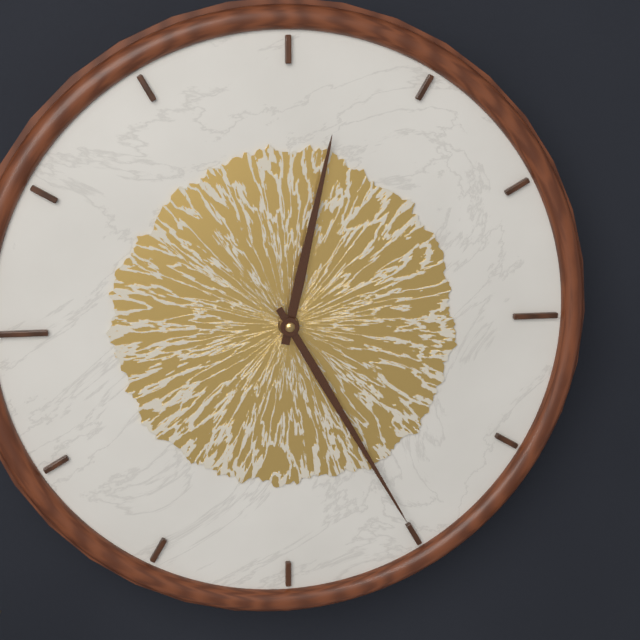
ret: {"hour": 12, "minute": 25}
